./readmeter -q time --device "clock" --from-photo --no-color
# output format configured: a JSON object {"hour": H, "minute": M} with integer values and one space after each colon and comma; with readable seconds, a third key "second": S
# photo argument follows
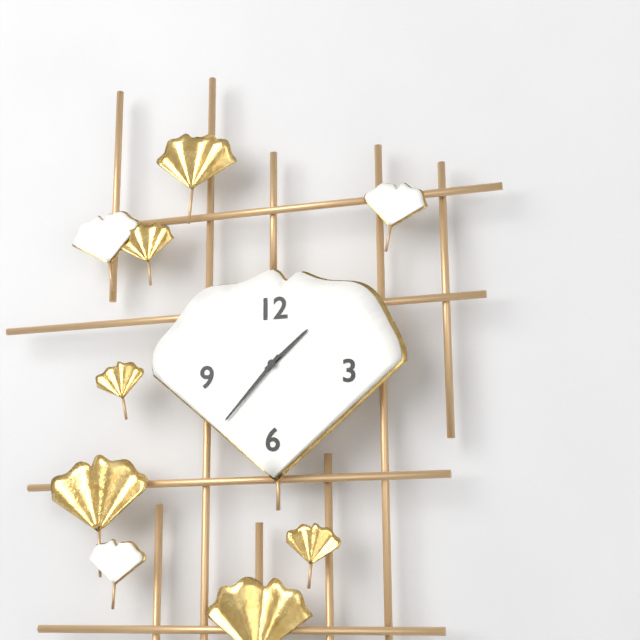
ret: {"hour": 1, "minute": 37}
